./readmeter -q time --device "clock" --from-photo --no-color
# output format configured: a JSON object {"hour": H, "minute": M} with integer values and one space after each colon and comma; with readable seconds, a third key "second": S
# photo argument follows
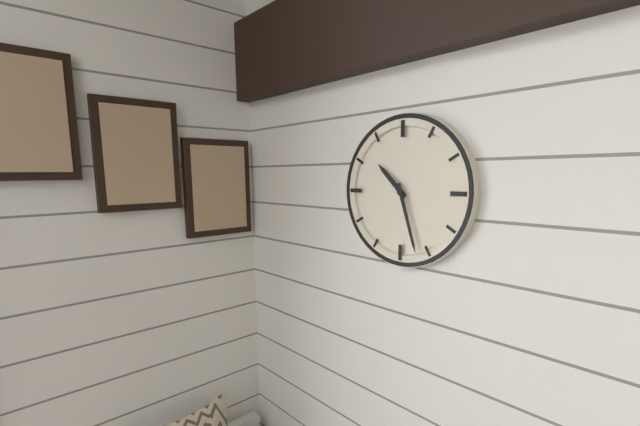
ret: {"hour": 10, "minute": 27}
